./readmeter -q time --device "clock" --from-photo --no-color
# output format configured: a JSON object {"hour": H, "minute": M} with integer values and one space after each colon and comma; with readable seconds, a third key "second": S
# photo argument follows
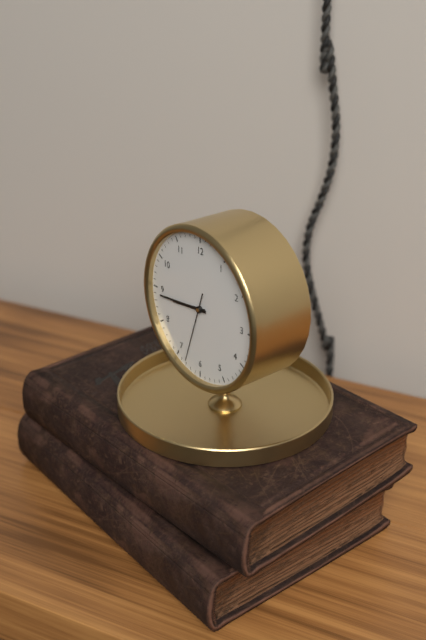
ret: {"hour": 8, "minute": 44, "second": 33}
